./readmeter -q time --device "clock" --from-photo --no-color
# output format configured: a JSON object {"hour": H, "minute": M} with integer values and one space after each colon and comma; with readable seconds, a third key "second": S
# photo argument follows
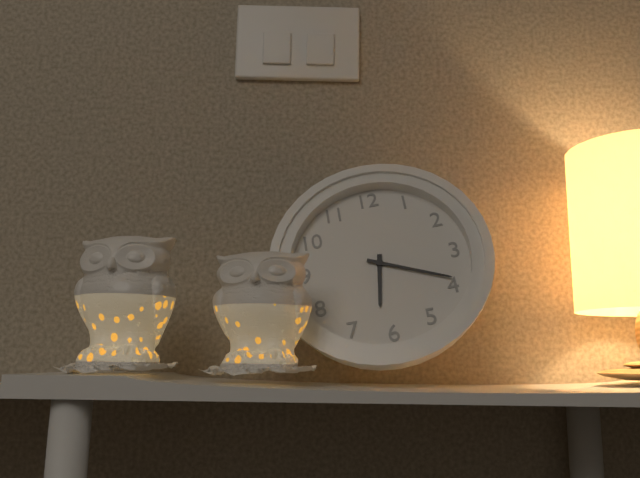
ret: {"hour": 6, "minute": 19}
